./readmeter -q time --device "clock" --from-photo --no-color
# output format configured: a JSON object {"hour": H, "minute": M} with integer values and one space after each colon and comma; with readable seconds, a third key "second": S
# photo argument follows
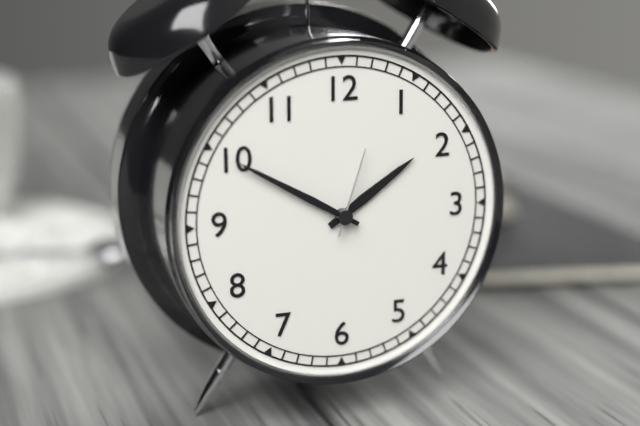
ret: {"hour": 1, "minute": 50, "second": 3}
